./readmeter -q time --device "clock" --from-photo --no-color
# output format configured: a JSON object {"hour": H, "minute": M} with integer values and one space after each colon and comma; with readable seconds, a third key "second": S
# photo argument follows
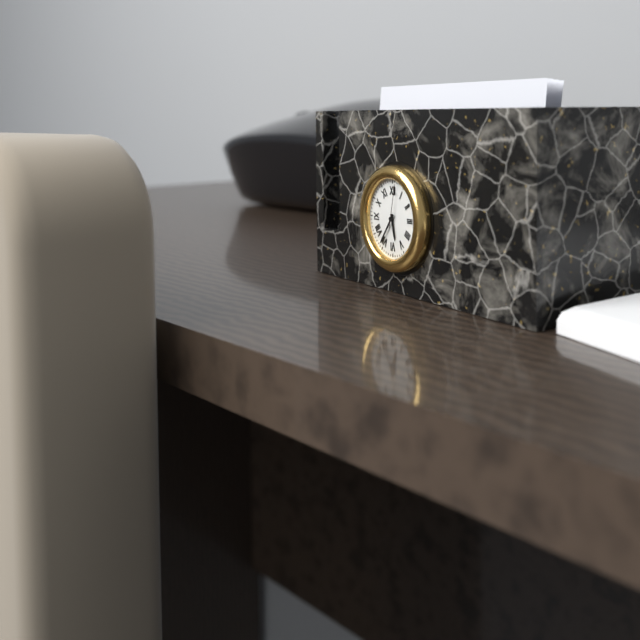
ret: {"hour": 5, "minute": 36}
